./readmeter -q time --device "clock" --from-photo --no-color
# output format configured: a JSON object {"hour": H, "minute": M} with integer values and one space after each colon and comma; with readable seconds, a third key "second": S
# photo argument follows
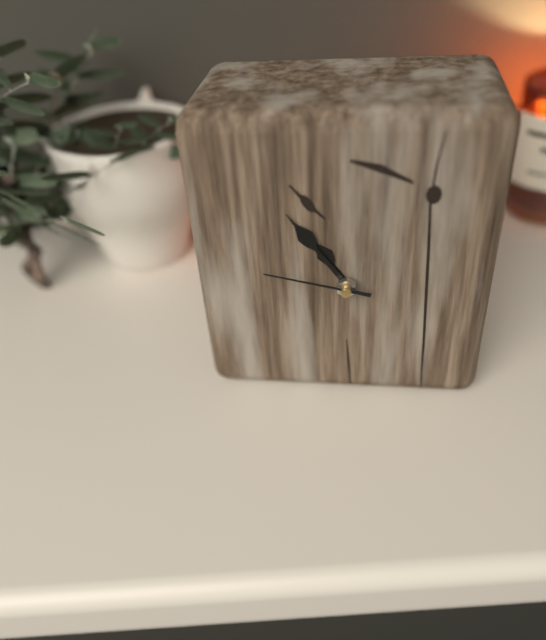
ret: {"hour": 10, "minute": 54, "second": 47}
